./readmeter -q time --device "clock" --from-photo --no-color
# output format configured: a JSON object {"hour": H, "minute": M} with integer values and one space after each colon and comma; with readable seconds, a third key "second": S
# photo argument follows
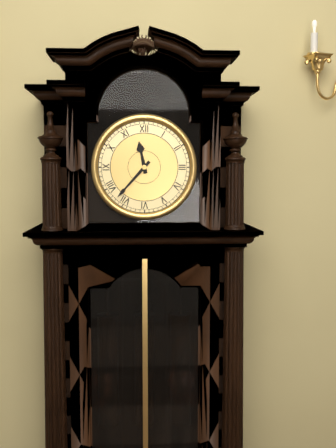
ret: {"hour": 11, "minute": 37}
